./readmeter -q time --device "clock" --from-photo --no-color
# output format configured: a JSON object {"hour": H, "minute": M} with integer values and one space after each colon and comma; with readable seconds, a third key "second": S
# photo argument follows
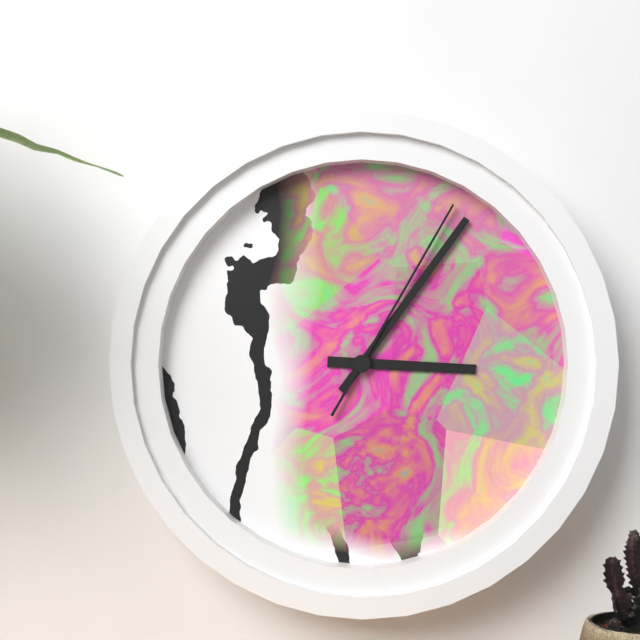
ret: {"hour": 3, "minute": 6, "second": 5}
